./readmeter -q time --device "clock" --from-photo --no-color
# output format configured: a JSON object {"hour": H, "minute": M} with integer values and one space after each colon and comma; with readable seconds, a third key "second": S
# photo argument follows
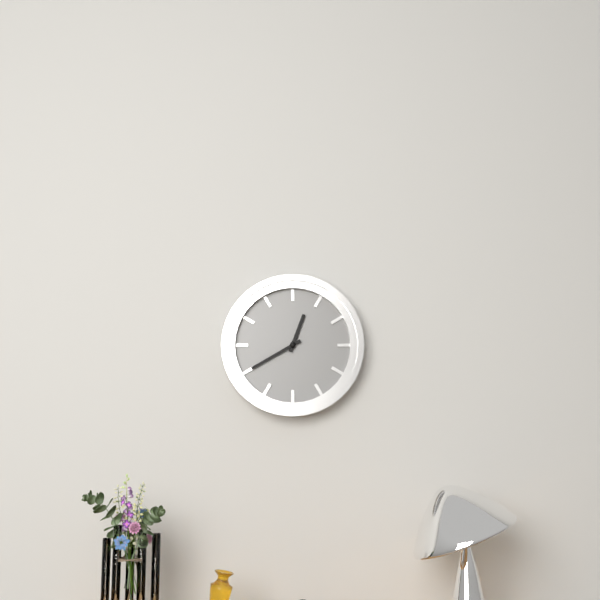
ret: {"hour": 12, "minute": 40}
